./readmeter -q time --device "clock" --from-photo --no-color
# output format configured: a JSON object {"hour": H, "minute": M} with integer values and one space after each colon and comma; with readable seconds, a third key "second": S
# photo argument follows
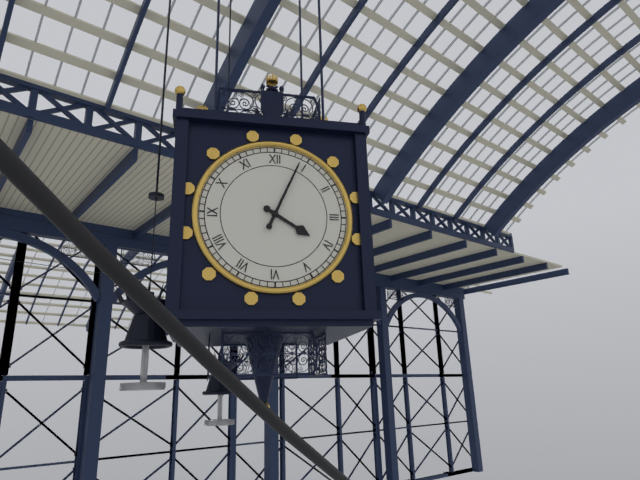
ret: {"hour": 4, "minute": 4}
